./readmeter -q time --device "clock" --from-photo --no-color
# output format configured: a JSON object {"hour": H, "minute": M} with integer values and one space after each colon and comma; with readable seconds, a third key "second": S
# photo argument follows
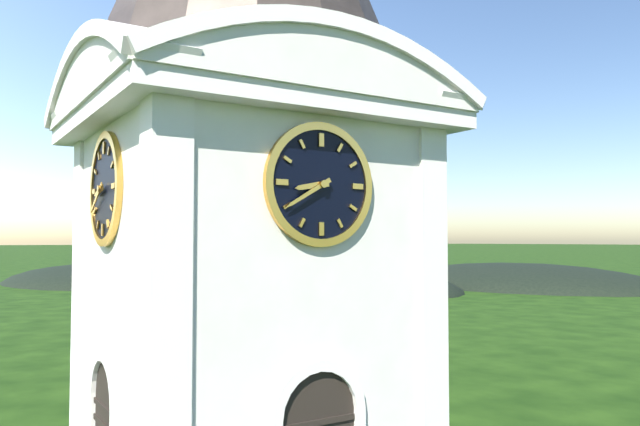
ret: {"hour": 8, "minute": 40}
